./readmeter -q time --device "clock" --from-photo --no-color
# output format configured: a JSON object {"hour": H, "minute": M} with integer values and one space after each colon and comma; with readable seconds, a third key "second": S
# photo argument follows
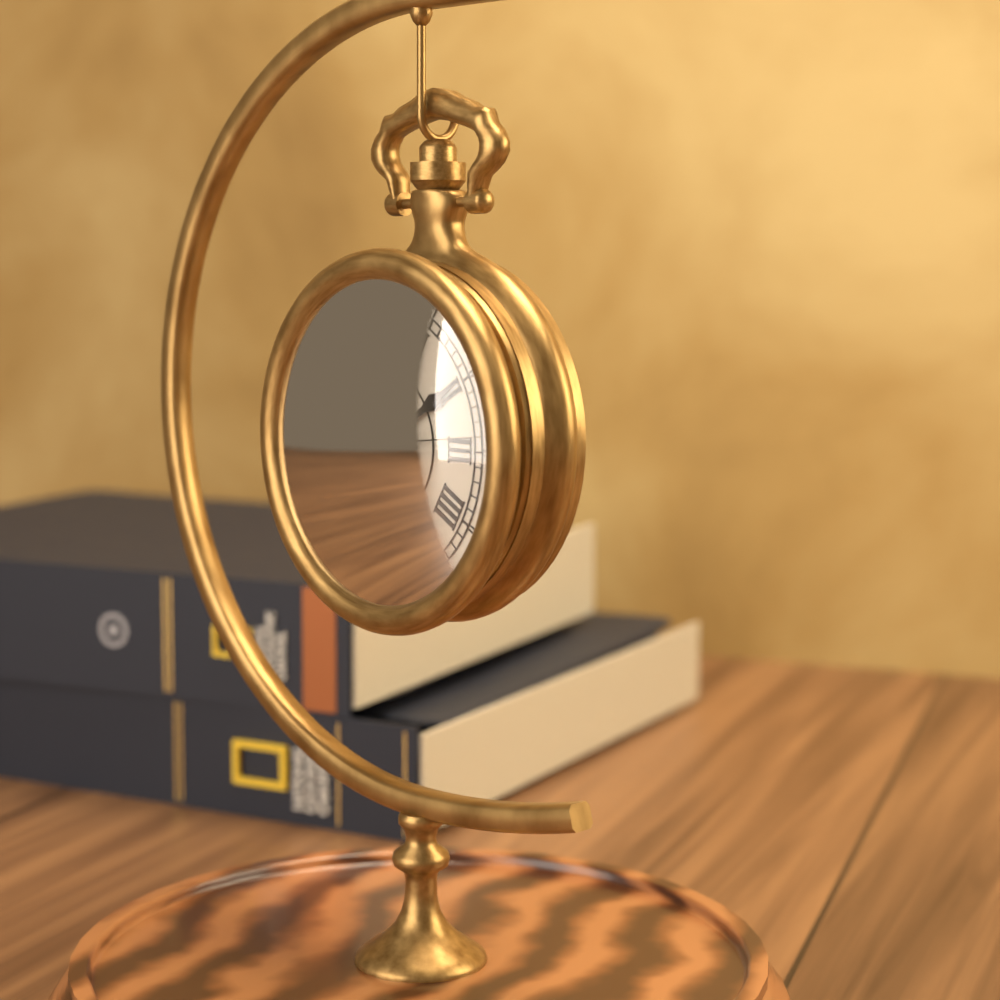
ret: {"hour": 10, "minute": 10, "second": 14}
